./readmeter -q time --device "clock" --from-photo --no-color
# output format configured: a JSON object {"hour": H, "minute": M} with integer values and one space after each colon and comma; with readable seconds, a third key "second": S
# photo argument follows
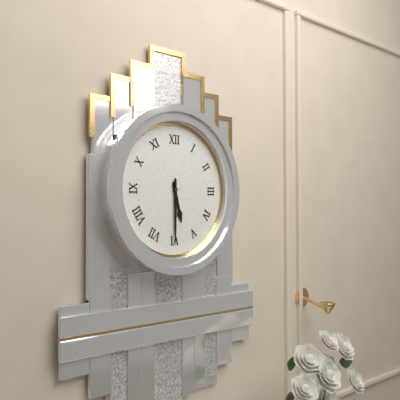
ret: {"hour": 5, "minute": 30}
